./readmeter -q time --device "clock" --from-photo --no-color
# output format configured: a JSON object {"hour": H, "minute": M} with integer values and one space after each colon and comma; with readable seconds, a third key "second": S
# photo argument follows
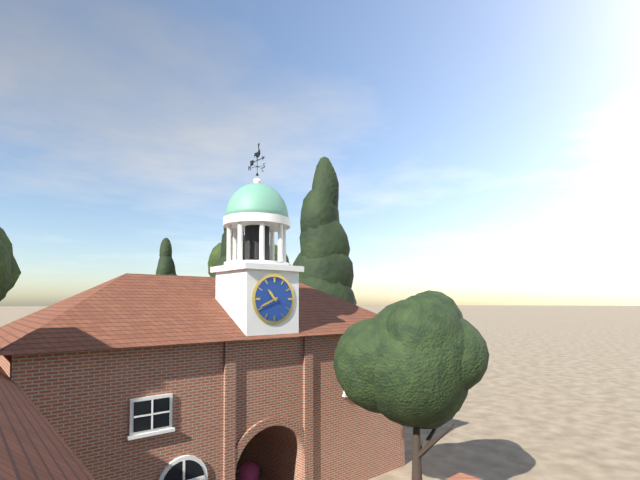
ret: {"hour": 10, "minute": 41}
